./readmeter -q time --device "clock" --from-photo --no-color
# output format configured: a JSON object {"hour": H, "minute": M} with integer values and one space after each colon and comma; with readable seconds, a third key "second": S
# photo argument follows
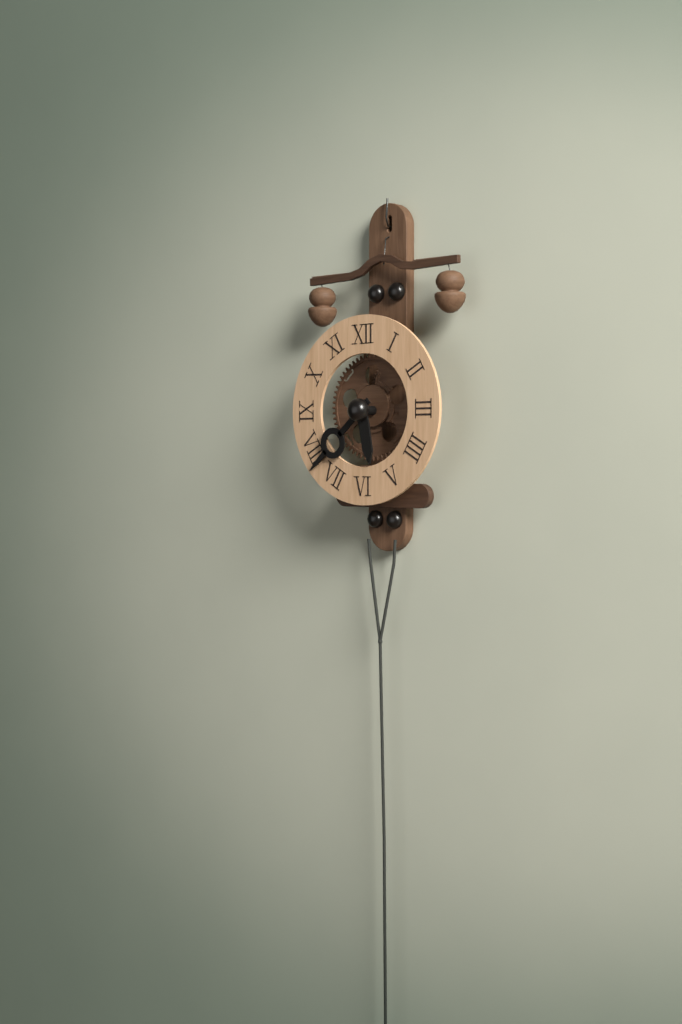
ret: {"hour": 5, "minute": 38}
